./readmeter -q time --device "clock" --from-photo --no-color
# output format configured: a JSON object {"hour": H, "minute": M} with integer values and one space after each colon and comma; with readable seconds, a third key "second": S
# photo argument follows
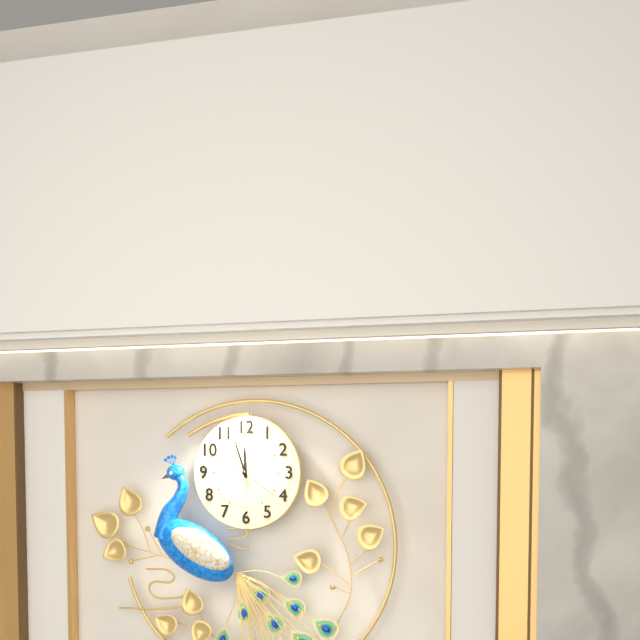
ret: {"hour": 11, "minute": 57, "second": 21}
